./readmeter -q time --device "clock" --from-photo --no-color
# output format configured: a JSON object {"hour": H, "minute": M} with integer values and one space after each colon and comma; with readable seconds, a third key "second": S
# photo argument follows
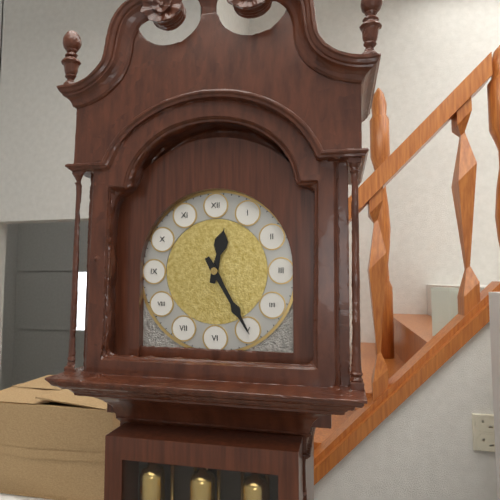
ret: {"hour": 12, "minute": 25}
